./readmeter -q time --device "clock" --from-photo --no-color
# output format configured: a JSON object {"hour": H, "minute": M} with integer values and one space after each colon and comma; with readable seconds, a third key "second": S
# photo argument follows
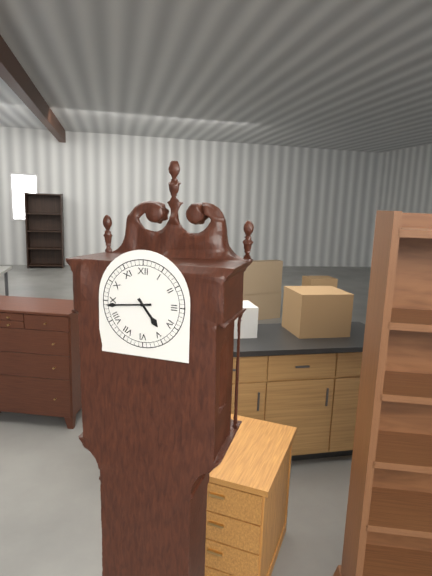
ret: {"hour": 4, "minute": 44}
